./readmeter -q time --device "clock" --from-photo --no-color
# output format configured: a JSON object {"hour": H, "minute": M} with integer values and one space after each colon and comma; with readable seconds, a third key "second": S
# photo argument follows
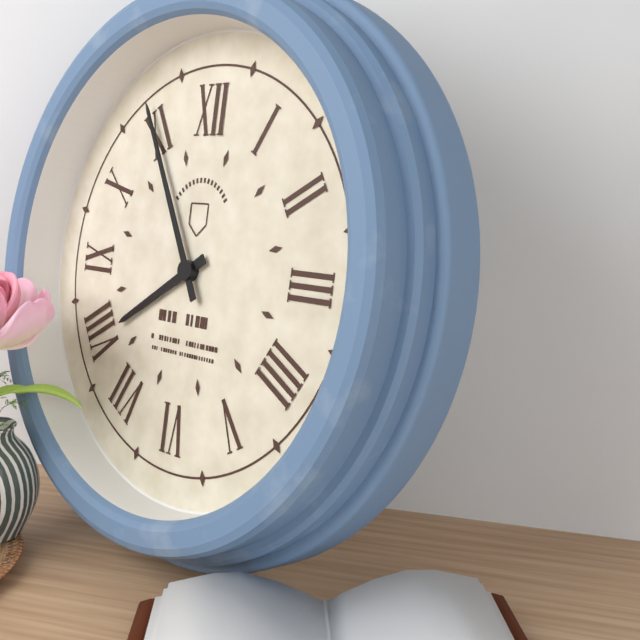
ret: {"hour": 7, "minute": 55}
